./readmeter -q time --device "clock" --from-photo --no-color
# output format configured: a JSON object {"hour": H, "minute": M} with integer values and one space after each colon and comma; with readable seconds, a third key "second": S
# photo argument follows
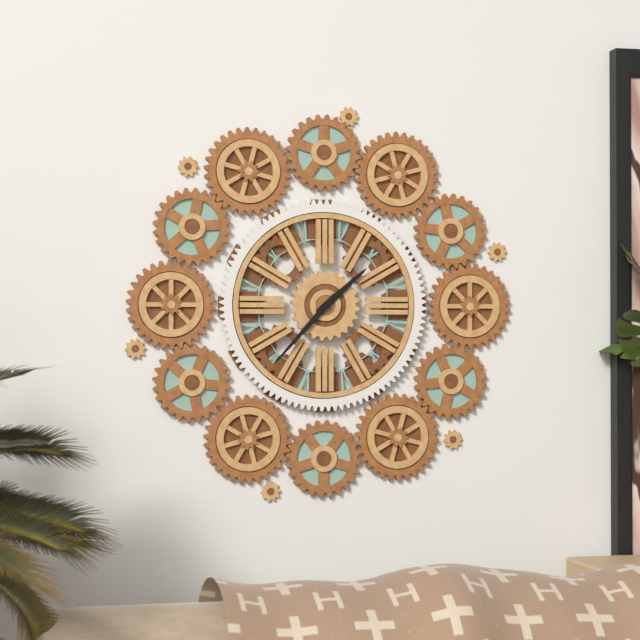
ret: {"hour": 1, "minute": 37}
